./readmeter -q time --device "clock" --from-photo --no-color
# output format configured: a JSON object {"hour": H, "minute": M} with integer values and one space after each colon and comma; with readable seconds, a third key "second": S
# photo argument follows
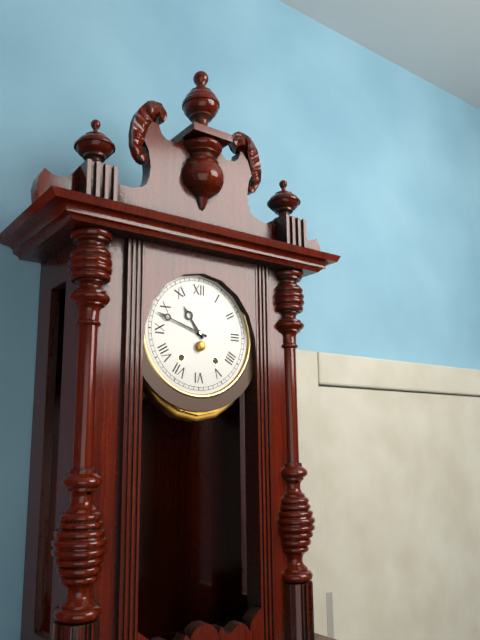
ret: {"hour": 10, "minute": 48}
